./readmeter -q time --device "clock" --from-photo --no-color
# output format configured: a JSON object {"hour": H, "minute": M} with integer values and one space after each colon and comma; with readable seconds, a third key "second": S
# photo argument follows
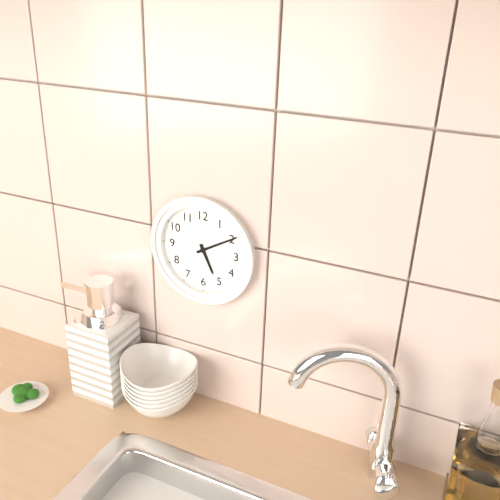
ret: {"hour": 5, "minute": 10}
